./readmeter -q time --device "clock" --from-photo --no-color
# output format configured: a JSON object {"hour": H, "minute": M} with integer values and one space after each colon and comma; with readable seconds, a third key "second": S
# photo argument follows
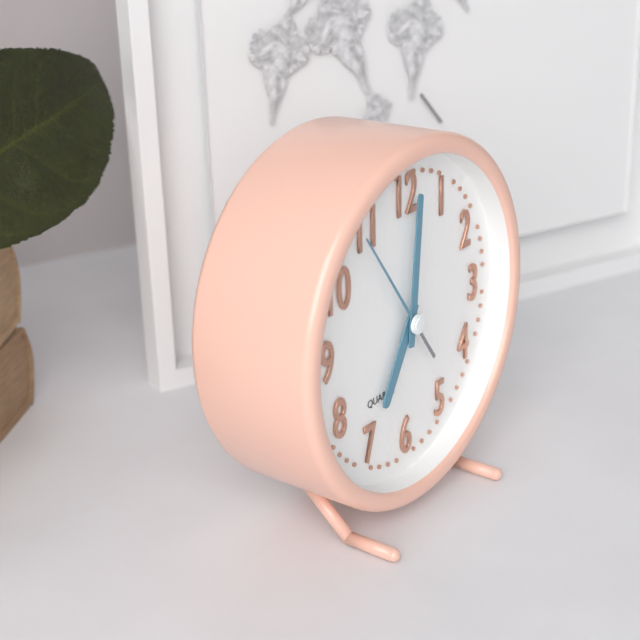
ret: {"hour": 7, "minute": 1, "second": 54}
